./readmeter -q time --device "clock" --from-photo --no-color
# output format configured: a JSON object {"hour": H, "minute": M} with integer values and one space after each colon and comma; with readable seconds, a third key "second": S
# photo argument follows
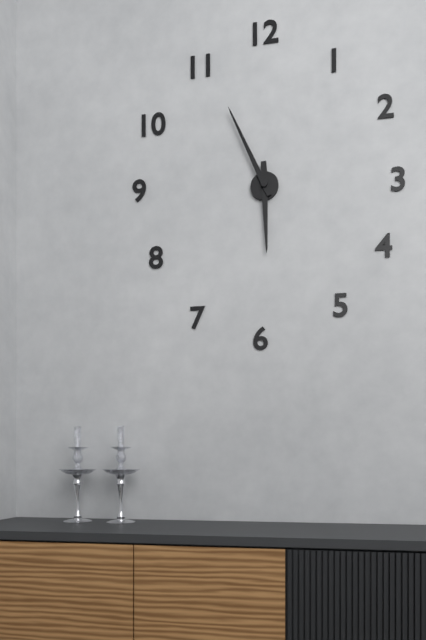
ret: {"hour": 5, "minute": 56}
